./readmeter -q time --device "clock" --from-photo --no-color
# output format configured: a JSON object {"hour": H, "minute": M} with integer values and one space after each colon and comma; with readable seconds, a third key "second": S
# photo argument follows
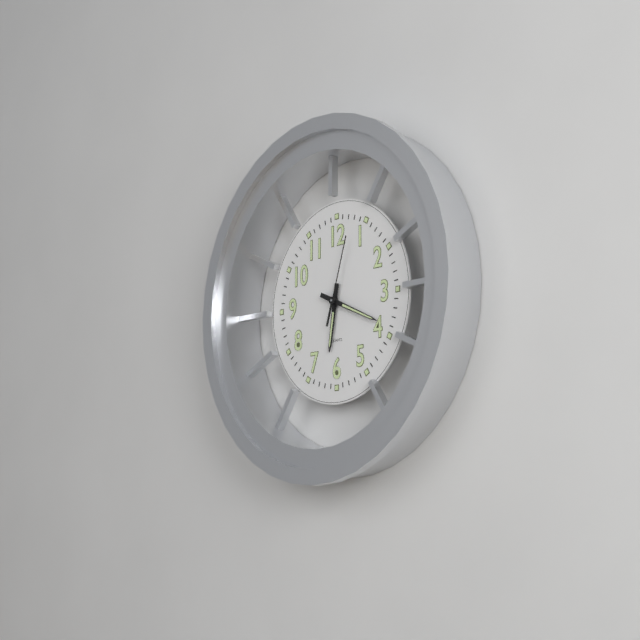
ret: {"hour": 6, "minute": 19, "second": 3}
